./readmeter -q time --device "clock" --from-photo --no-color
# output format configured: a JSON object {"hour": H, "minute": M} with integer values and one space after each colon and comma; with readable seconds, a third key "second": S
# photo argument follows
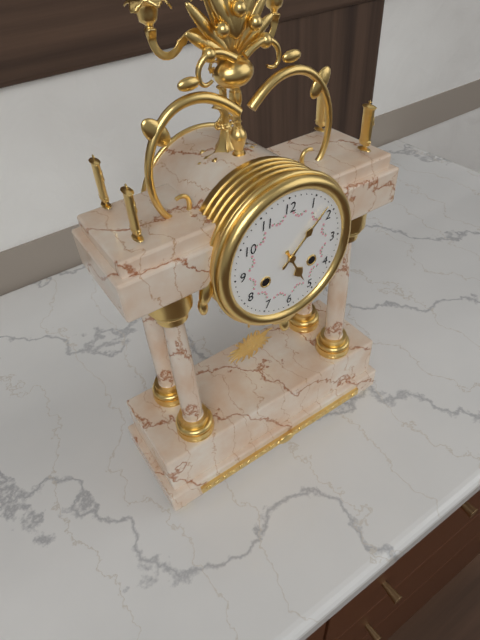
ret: {"hour": 5, "minute": 8}
